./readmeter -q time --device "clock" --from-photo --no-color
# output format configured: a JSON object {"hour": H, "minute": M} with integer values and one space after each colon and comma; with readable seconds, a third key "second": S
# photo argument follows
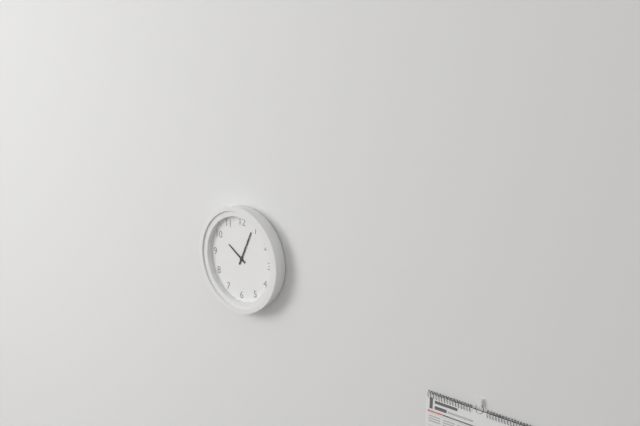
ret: {"hour": 10, "minute": 4}
